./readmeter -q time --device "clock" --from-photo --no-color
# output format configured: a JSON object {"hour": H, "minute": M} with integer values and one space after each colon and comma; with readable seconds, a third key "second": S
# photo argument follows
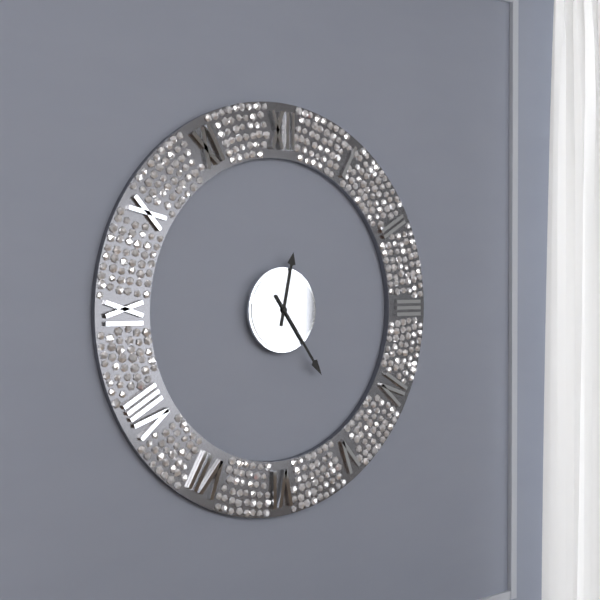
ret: {"hour": 12, "minute": 24}
